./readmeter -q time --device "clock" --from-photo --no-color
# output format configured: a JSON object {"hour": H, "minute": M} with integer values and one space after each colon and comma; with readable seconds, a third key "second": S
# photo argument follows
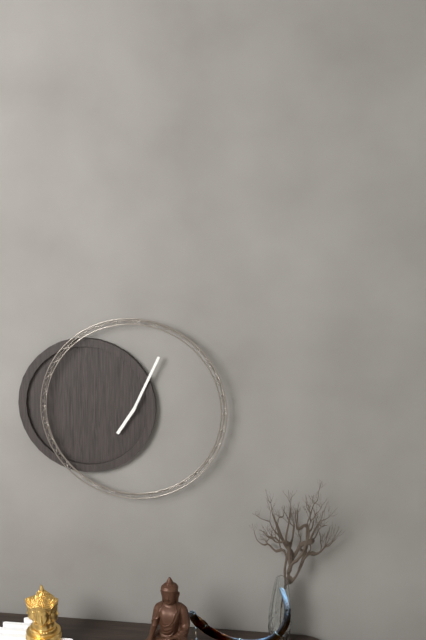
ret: {"hour": 7, "minute": 4}
